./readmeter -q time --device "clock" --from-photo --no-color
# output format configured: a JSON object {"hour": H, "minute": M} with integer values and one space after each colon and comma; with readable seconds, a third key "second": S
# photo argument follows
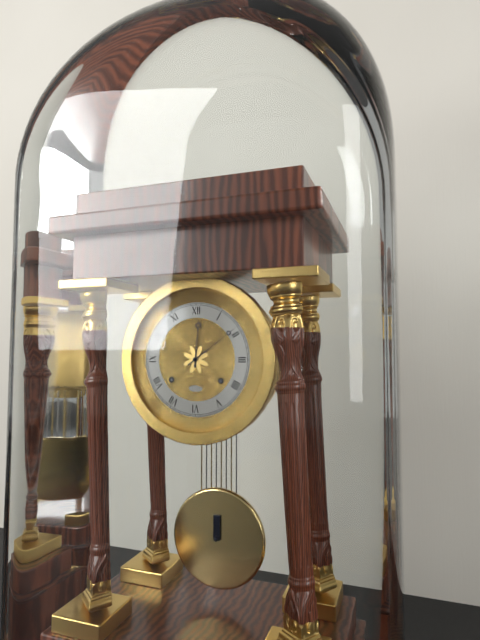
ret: {"hour": 12, "minute": 9}
